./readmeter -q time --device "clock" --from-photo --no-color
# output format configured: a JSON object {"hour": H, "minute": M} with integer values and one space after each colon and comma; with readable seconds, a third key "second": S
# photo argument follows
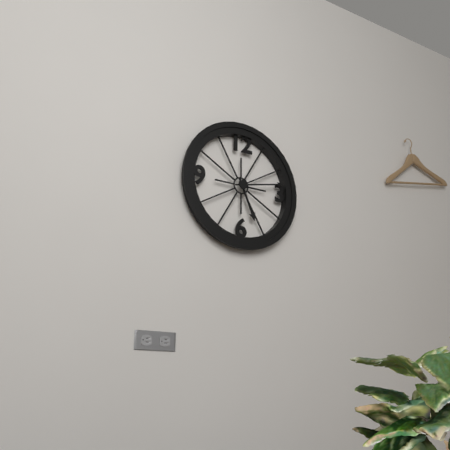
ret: {"hour": 5, "minute": 13}
